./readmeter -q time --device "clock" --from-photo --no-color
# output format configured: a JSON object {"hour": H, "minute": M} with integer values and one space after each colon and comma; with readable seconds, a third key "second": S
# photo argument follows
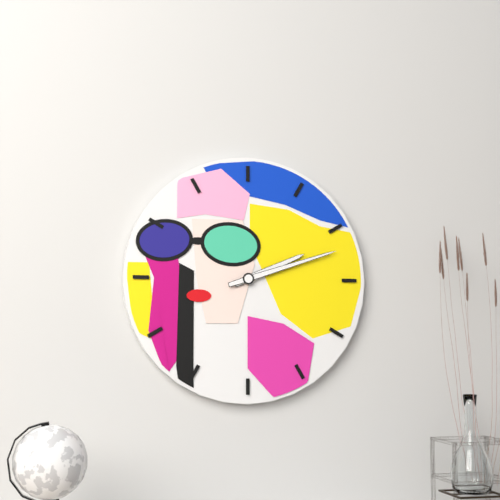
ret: {"hour": 2, "minute": 12}
